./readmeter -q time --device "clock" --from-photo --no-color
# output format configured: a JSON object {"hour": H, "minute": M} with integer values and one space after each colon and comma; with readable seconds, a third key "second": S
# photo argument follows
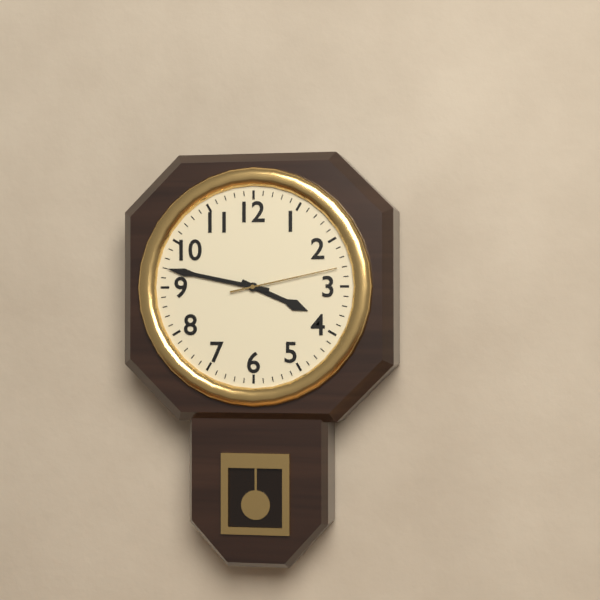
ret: {"hour": 3, "minute": 47, "second": 13}
